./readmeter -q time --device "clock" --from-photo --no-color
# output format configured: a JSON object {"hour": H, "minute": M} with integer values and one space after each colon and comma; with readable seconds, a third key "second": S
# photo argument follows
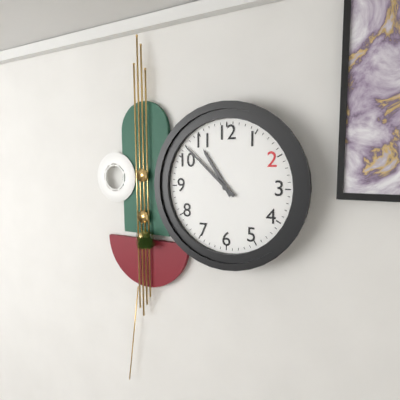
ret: {"hour": 10, "minute": 52}
